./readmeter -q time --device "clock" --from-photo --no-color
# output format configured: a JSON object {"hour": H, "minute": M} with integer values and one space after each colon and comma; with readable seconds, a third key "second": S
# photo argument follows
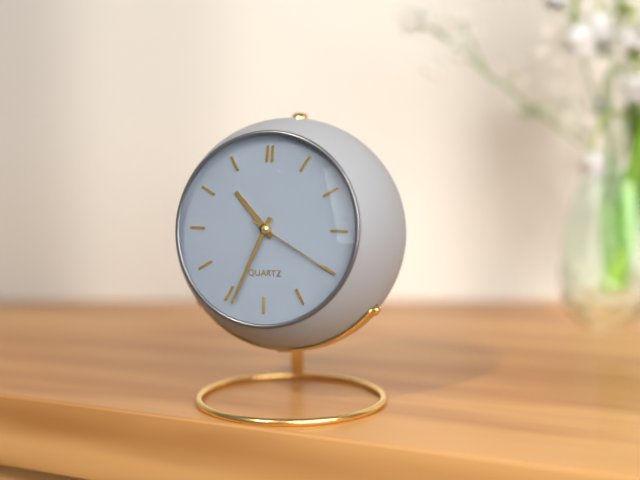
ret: {"hour": 10, "minute": 34, "second": 20}
